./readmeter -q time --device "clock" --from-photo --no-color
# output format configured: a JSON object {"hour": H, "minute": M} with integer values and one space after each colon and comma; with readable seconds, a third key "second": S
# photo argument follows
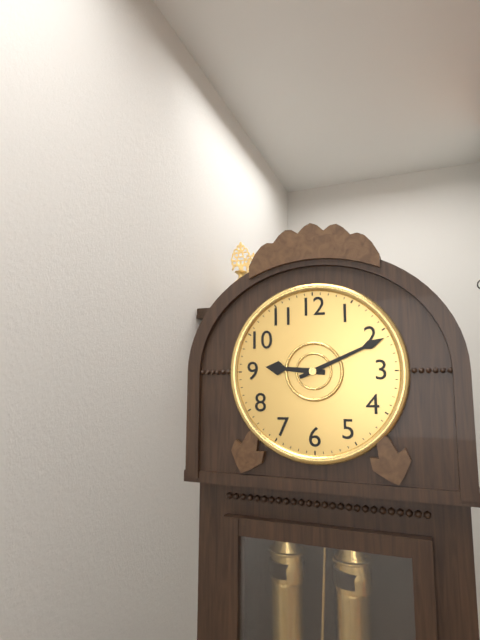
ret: {"hour": 9, "minute": 11}
